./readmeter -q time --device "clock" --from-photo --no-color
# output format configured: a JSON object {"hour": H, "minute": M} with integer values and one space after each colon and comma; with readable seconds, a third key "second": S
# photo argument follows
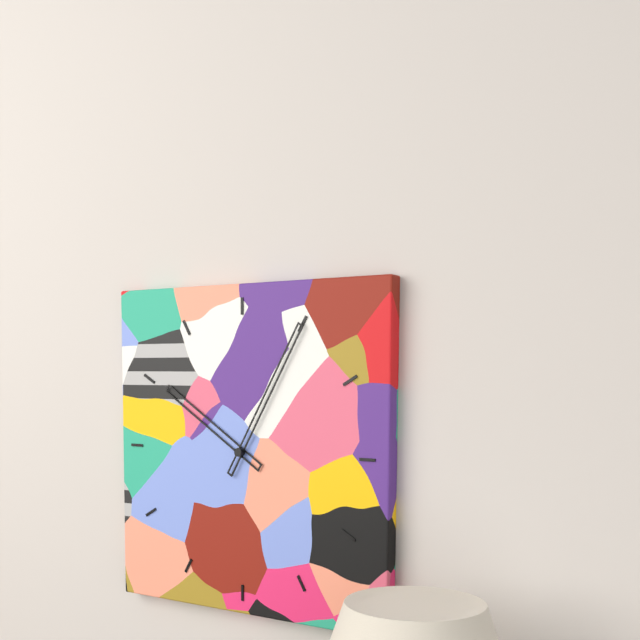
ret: {"hour": 10, "minute": 5}
